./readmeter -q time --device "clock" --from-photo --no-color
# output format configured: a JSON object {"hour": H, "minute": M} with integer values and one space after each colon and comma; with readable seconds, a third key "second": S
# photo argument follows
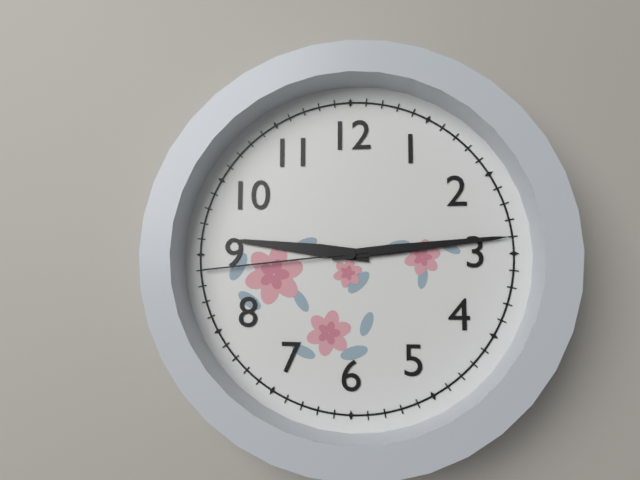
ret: {"hour": 9, "minute": 14, "second": 44}
